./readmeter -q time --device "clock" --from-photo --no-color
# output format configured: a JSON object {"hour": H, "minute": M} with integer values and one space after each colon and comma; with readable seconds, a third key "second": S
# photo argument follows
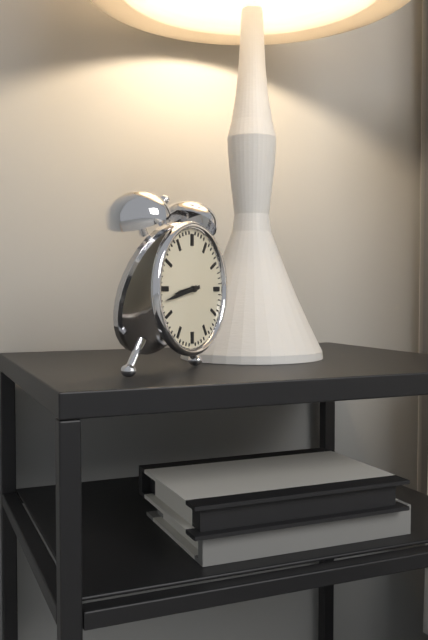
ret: {"hour": 8, "minute": 43}
